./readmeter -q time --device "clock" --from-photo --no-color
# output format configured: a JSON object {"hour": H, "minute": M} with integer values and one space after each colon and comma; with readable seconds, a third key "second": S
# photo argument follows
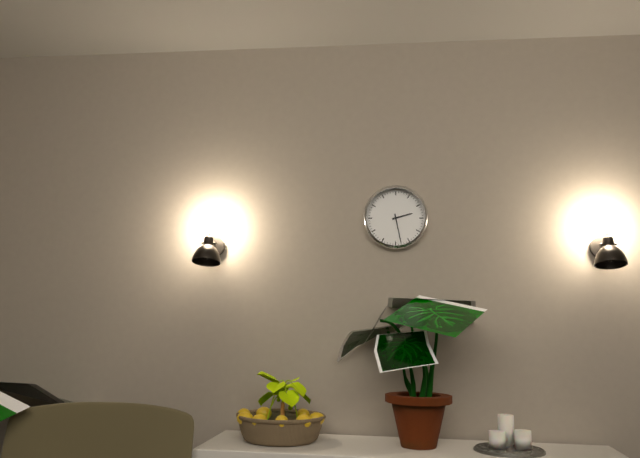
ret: {"hour": 2, "minute": 28}
